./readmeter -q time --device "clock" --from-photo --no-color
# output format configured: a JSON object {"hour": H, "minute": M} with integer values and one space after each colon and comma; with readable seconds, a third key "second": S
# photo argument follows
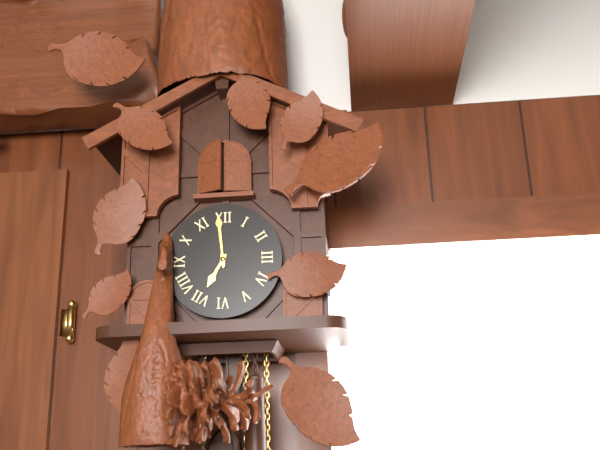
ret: {"hour": 6, "minute": 59}
